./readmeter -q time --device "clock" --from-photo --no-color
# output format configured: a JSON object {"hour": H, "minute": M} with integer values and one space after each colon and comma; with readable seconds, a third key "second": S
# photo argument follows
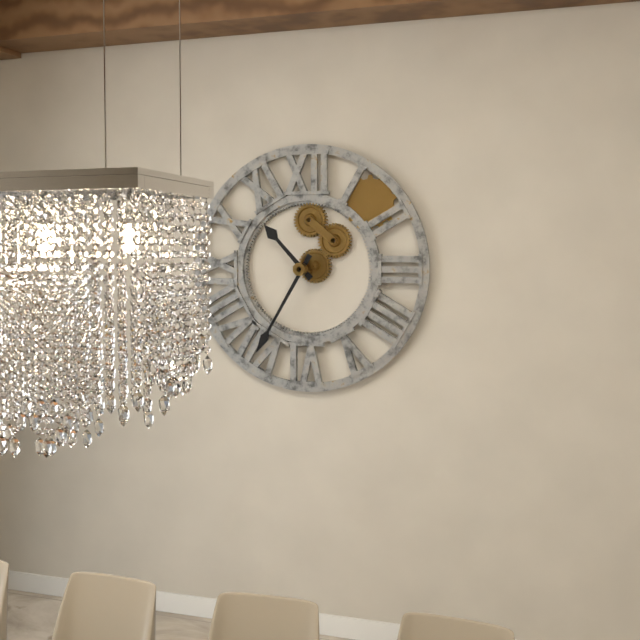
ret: {"hour": 10, "minute": 35}
